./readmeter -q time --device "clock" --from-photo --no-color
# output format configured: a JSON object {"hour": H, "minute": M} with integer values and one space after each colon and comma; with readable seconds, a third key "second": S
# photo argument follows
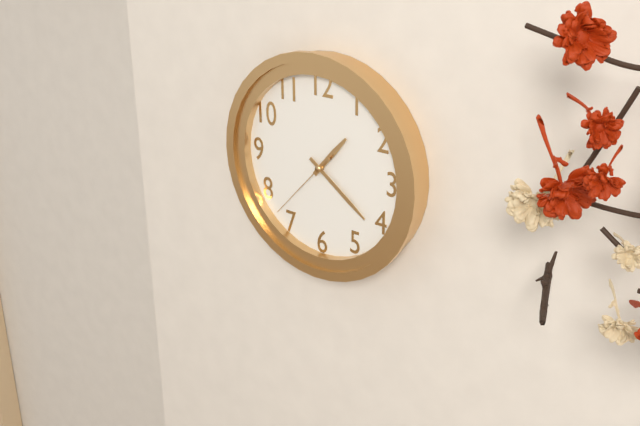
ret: {"hour": 1, "minute": 21, "second": 37}
